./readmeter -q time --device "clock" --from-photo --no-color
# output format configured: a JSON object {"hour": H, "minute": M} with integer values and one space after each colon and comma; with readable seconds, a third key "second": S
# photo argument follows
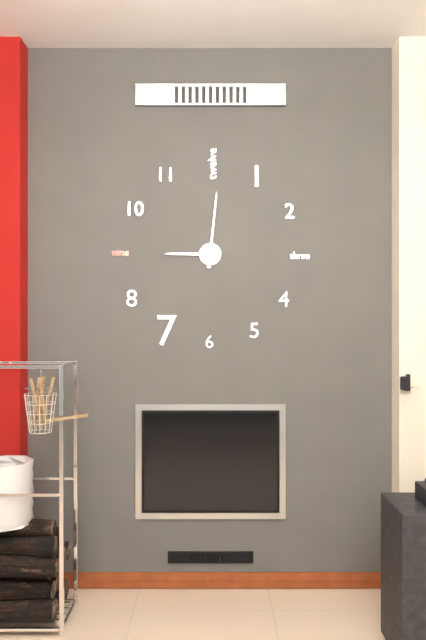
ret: {"hour": 9, "minute": 1}
